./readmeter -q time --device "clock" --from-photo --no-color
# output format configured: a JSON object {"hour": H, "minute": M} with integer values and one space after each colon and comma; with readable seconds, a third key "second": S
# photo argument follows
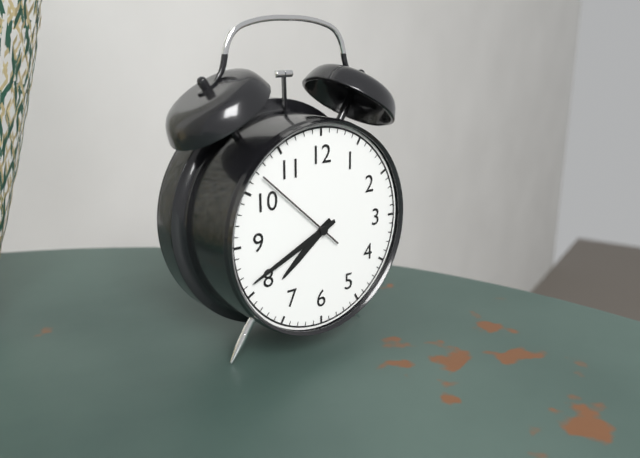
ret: {"hour": 7, "minute": 41, "second": 52}
